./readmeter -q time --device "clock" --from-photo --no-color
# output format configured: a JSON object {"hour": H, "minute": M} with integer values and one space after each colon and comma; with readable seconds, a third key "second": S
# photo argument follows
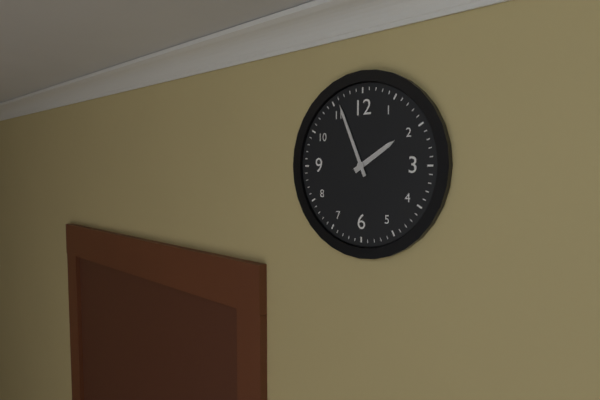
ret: {"hour": 1, "minute": 56}
